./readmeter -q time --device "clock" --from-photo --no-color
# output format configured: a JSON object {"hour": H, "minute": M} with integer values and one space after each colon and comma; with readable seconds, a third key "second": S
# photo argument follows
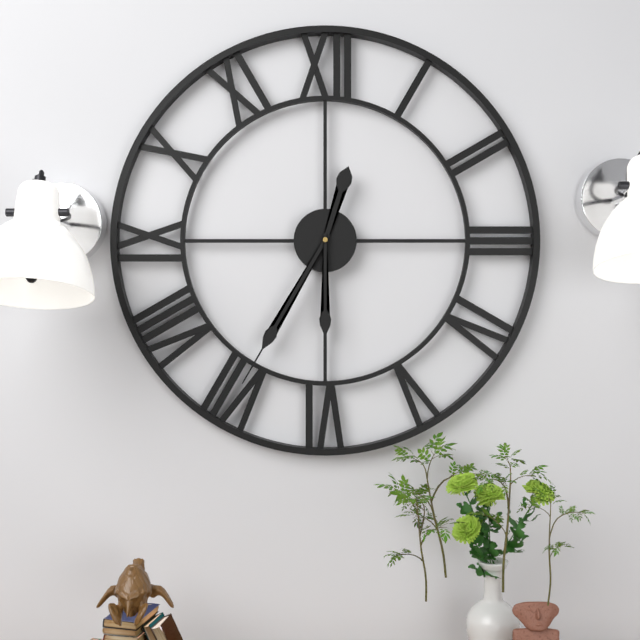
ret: {"hour": 12, "minute": 35, "second": 30}
